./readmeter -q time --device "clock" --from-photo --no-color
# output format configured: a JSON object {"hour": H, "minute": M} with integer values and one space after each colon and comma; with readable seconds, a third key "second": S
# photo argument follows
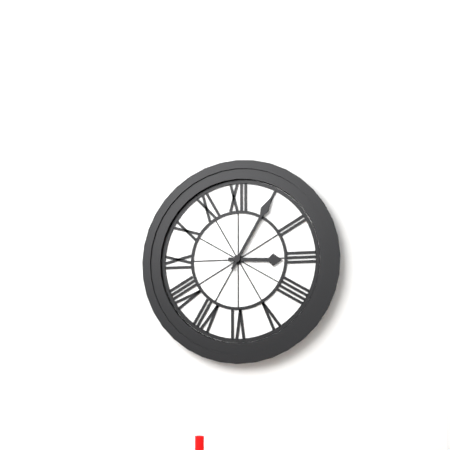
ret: {"hour": 3, "minute": 5}
